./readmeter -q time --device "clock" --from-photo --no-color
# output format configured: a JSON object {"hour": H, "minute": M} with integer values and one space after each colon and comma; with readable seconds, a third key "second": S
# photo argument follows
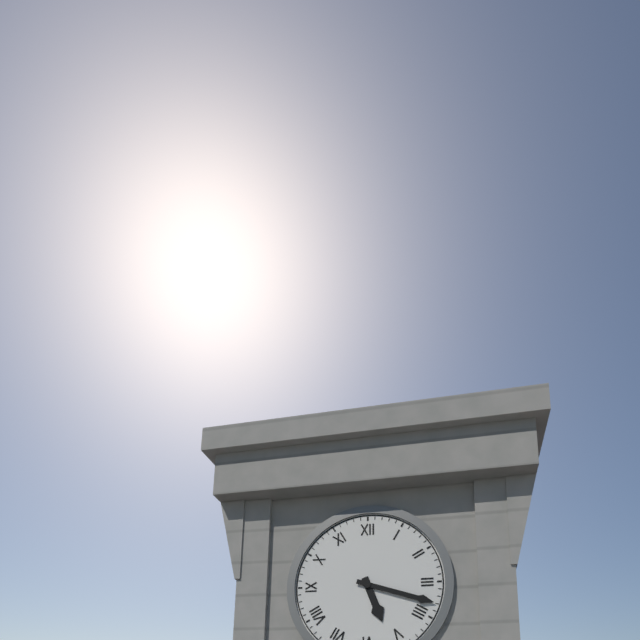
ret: {"hour": 5, "minute": 18}
